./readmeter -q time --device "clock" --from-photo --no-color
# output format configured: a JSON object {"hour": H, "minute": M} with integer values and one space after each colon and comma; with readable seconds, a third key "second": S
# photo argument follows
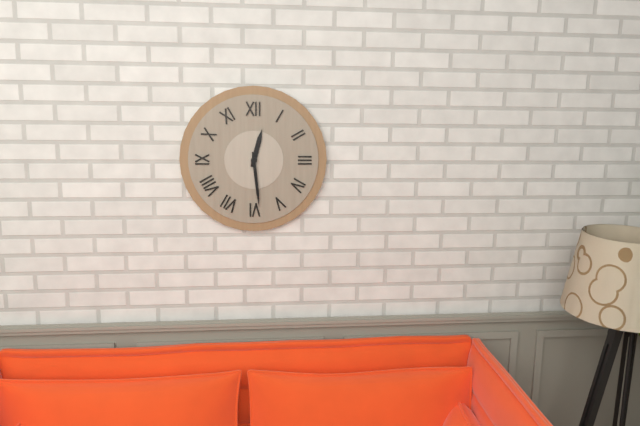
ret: {"hour": 12, "minute": 29}
